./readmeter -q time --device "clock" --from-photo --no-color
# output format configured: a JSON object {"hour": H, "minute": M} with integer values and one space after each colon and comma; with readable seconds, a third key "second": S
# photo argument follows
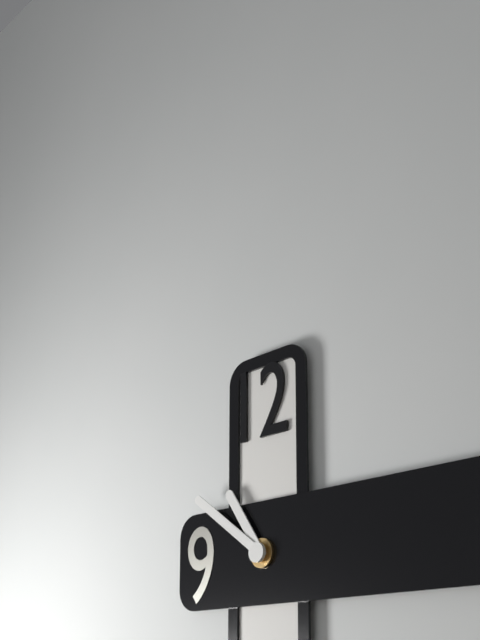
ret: {"hour": 10, "minute": 51}
